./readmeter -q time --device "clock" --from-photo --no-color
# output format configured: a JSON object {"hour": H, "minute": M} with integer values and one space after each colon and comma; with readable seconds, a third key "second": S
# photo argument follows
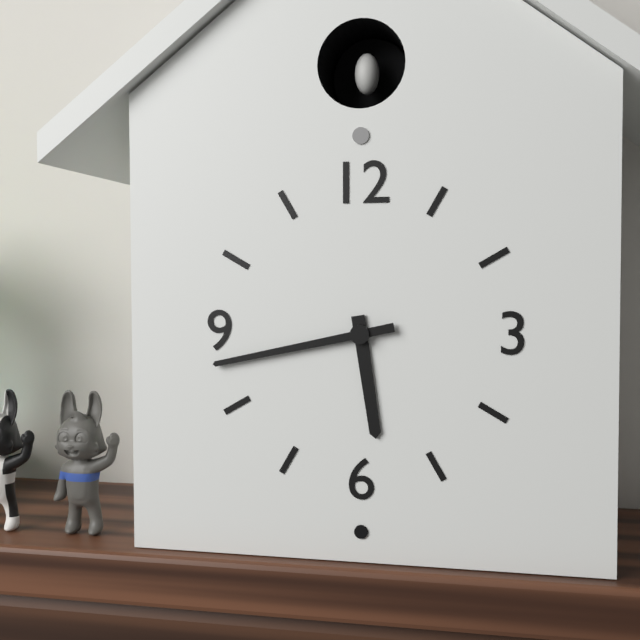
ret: {"hour": 5, "minute": 43}
